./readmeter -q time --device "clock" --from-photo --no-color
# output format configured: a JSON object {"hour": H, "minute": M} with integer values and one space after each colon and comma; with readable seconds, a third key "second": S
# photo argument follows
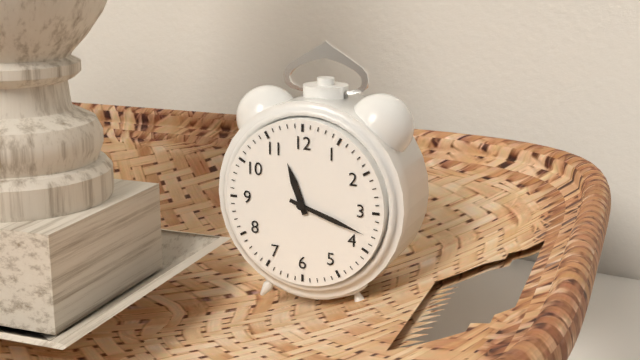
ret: {"hour": 11, "minute": 18}
